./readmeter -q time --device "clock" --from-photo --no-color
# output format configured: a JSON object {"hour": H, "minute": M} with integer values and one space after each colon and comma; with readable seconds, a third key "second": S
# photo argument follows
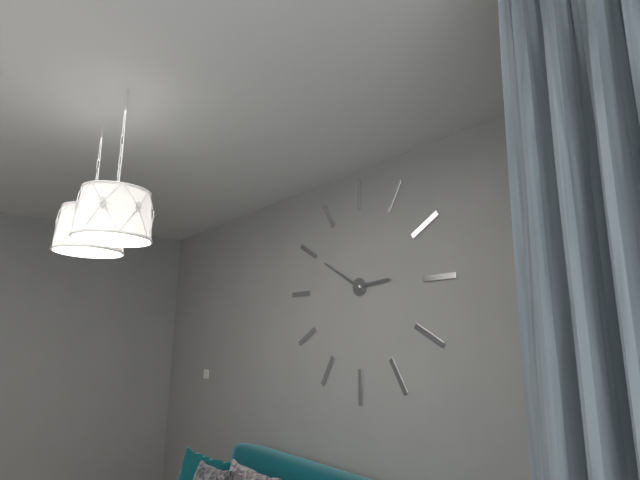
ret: {"hour": 2, "minute": 50}
